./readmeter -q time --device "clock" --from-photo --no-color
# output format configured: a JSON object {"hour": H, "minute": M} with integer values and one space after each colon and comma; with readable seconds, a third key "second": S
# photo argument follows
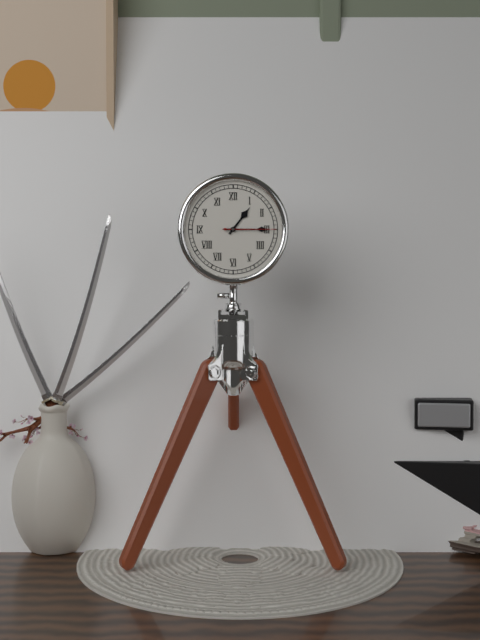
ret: {"hour": 1, "minute": 15, "second": 15}
